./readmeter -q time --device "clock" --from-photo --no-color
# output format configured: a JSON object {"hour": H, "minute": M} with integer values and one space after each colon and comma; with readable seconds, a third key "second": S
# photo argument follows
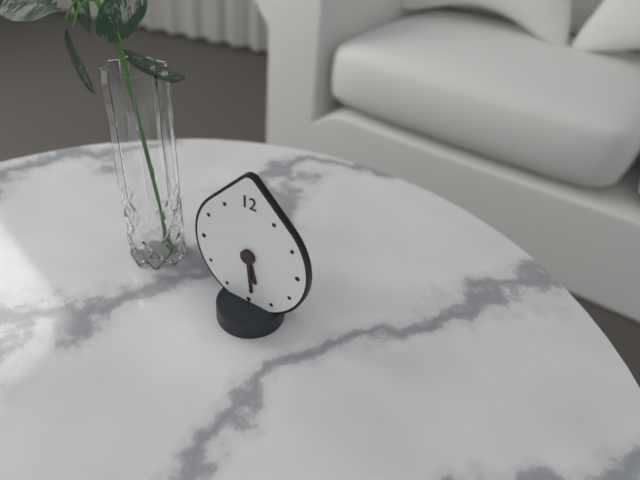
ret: {"hour": 5, "minute": 29}
